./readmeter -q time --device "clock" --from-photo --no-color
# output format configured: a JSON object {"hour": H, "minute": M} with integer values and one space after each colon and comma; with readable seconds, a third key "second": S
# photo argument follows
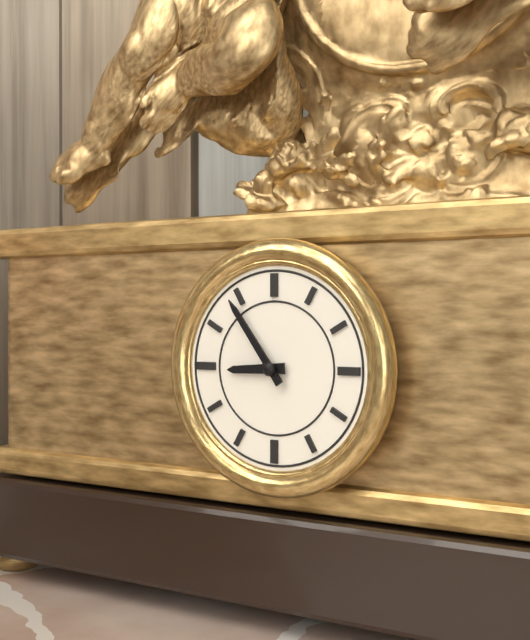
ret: {"hour": 8, "minute": 54}
